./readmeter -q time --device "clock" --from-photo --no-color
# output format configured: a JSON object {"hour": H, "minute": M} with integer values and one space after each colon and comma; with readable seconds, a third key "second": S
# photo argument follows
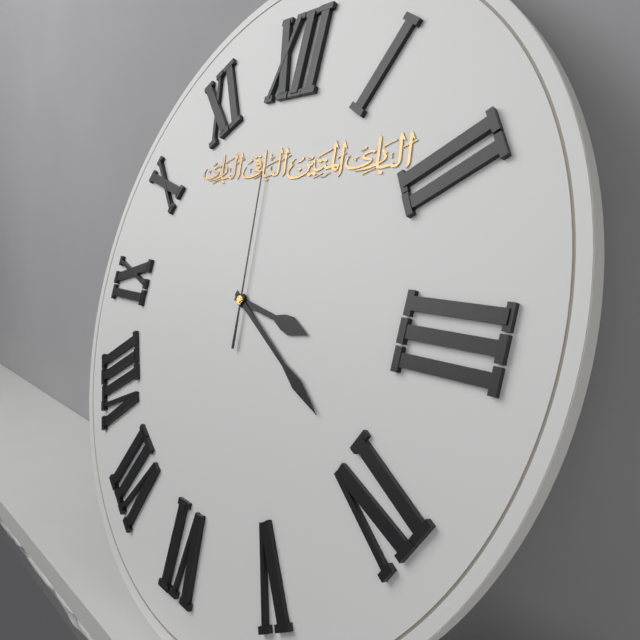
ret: {"hour": 3, "minute": 20, "second": 59}
